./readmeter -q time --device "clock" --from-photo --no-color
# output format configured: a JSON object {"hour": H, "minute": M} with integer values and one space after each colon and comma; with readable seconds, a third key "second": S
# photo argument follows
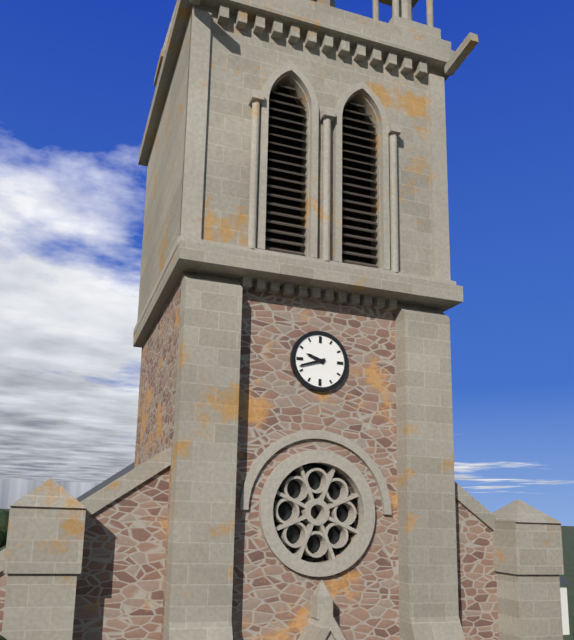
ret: {"hour": 9, "minute": 42}
